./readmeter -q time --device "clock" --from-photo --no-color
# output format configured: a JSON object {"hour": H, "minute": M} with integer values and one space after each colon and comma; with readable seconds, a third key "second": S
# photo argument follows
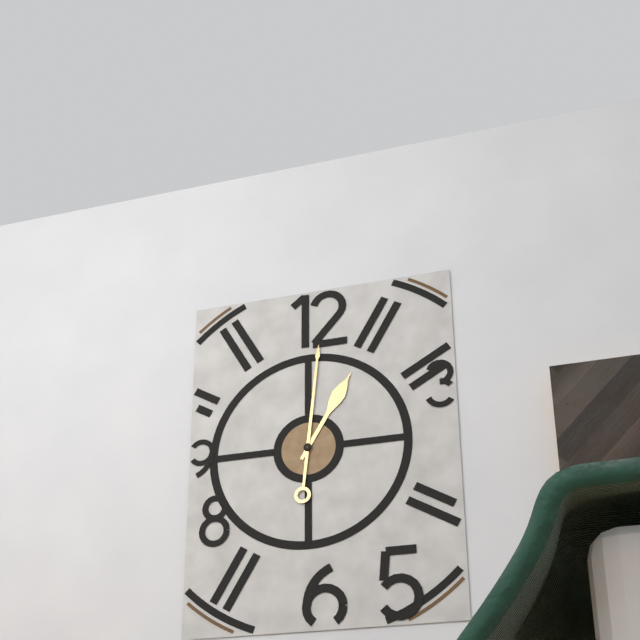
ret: {"hour": 1, "minute": 1}
